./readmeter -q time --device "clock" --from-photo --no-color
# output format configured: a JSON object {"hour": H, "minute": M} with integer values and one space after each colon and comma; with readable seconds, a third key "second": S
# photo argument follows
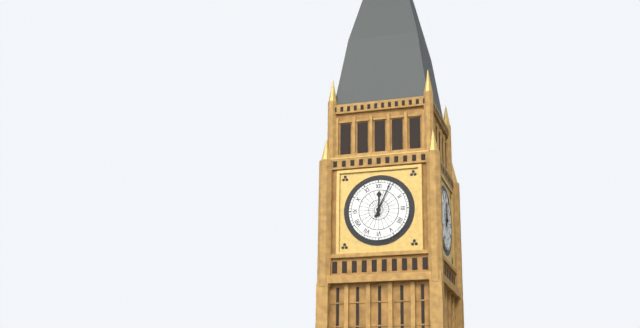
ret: {"hour": 12, "minute": 4}
